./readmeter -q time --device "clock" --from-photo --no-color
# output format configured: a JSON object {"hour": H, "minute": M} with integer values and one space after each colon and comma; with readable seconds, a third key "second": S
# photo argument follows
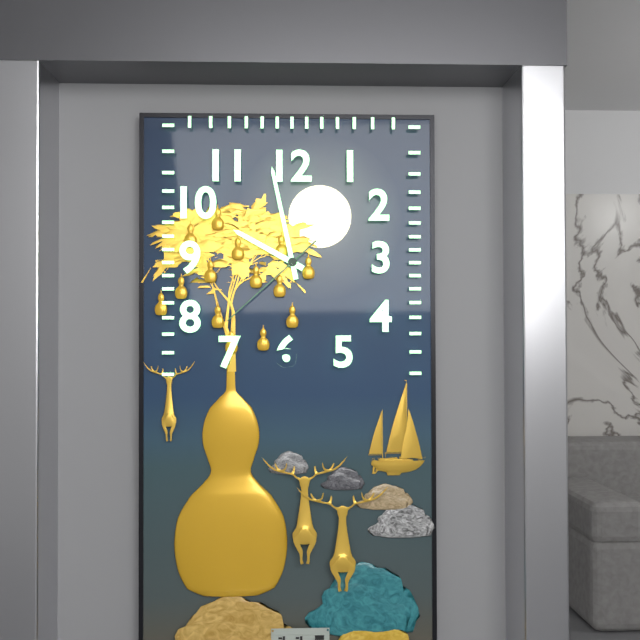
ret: {"hour": 9, "minute": 58, "second": 38}
